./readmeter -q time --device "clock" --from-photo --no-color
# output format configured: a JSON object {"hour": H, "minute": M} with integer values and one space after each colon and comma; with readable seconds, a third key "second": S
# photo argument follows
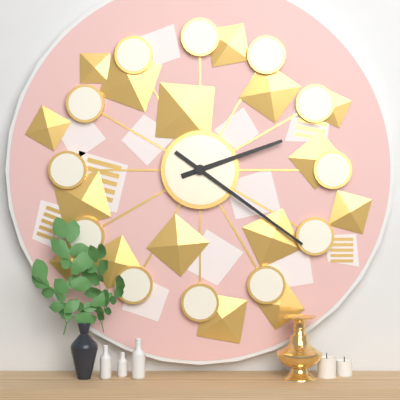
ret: {"hour": 2, "minute": 21}
